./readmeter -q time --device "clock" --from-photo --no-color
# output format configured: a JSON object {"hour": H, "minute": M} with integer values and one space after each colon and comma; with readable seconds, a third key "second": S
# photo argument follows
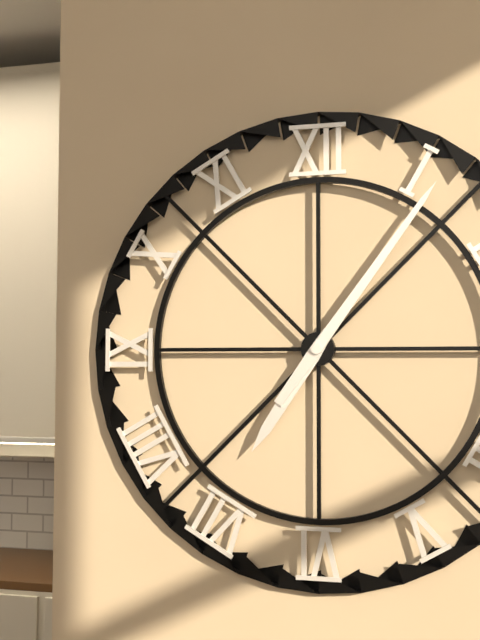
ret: {"hour": 7, "minute": 6}
